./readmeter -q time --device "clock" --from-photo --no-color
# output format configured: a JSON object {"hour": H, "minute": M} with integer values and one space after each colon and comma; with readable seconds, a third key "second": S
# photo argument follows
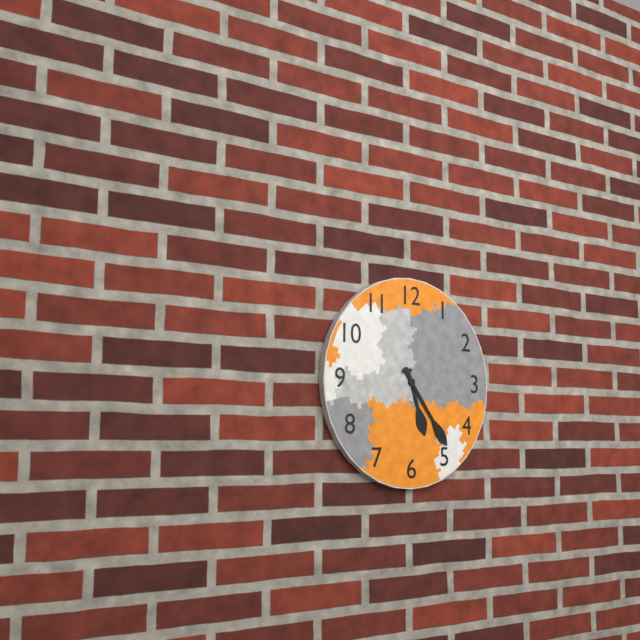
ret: {"hour": 5, "minute": 24}
